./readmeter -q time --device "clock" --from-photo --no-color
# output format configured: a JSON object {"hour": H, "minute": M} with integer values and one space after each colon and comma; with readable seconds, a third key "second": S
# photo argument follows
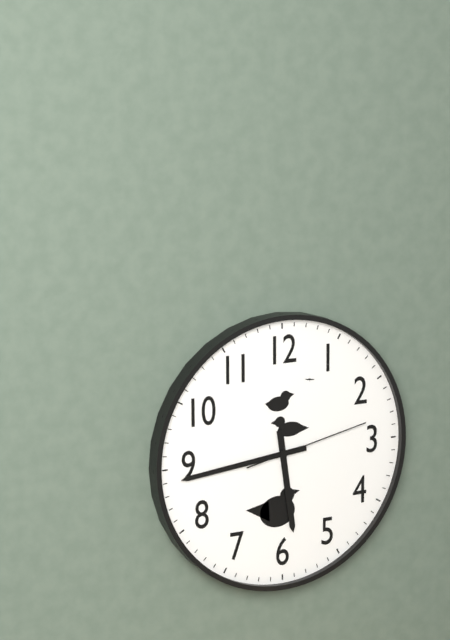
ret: {"hour": 5, "minute": 44, "second": 13}
